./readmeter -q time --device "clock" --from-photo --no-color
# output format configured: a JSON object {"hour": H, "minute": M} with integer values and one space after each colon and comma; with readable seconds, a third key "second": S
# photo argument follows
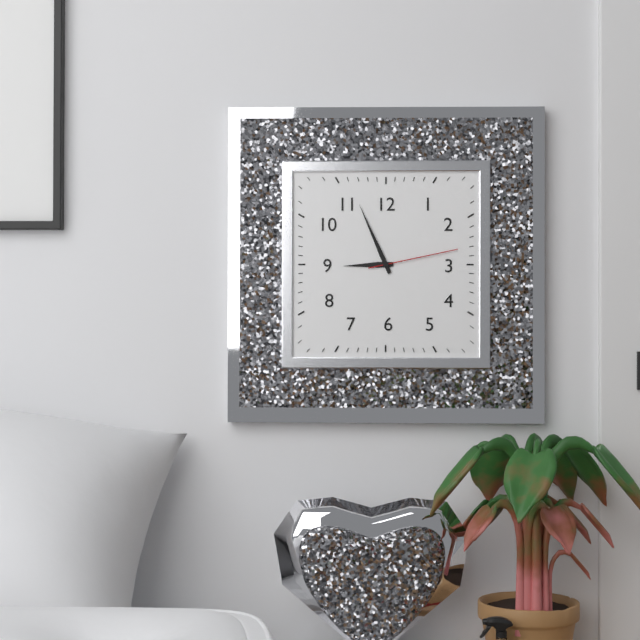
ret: {"hour": 8, "minute": 56, "second": 13}
